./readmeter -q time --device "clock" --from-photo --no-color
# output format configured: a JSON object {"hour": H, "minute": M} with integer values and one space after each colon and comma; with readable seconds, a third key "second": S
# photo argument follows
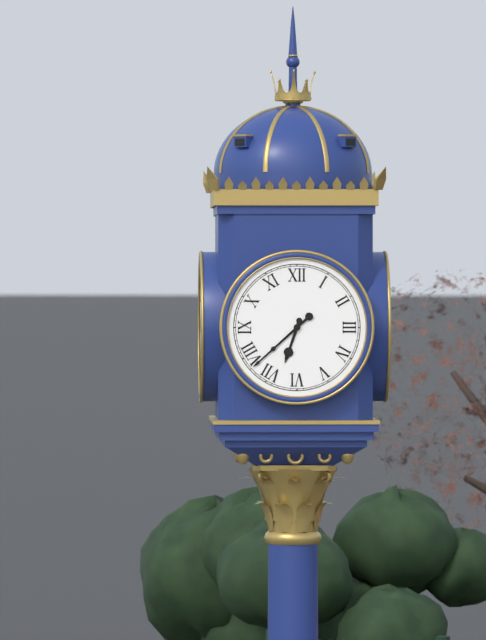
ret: {"hour": 6, "minute": 38}
